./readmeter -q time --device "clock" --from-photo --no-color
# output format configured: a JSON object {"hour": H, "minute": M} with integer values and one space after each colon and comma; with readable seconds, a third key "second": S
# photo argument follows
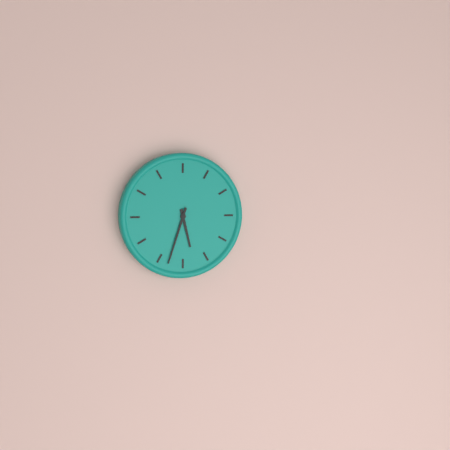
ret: {"hour": 5, "minute": 33}
